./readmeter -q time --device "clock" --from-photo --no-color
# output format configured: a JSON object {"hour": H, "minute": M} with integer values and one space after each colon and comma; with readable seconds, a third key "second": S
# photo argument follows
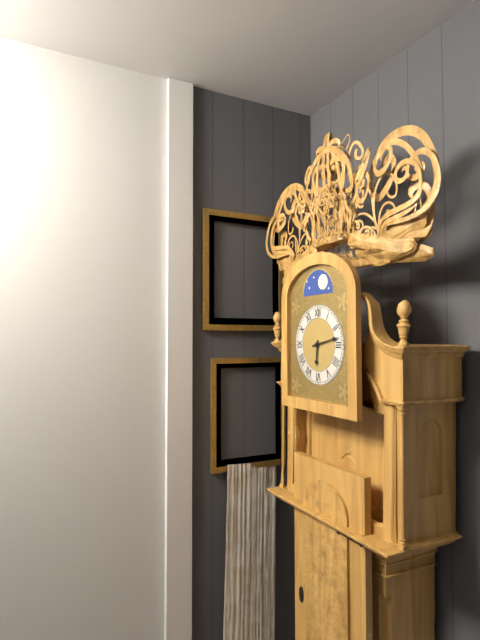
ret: {"hour": 6, "minute": 13}
